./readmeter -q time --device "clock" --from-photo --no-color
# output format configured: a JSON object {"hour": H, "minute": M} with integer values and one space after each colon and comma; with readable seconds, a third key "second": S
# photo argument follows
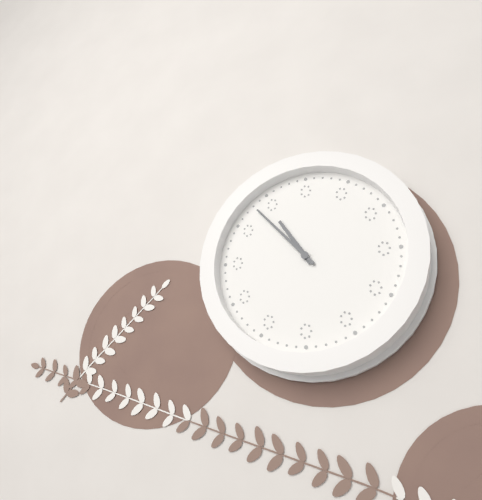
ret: {"hour": 10, "minute": 53}
